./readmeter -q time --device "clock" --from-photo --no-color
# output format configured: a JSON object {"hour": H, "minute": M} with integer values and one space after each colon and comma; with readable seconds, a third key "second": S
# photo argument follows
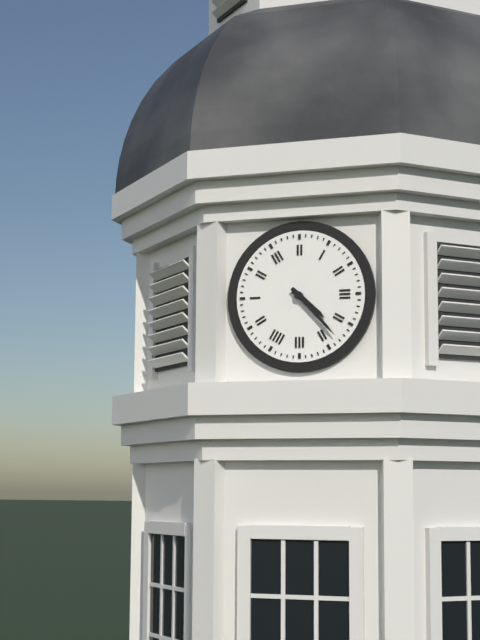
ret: {"hour": 4, "minute": 23}
